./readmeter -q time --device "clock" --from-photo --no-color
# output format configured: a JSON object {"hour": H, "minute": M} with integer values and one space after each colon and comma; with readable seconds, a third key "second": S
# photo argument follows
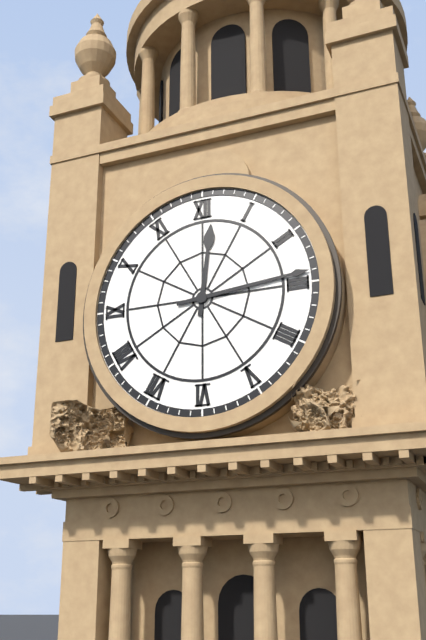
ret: {"hour": 12, "minute": 14}
